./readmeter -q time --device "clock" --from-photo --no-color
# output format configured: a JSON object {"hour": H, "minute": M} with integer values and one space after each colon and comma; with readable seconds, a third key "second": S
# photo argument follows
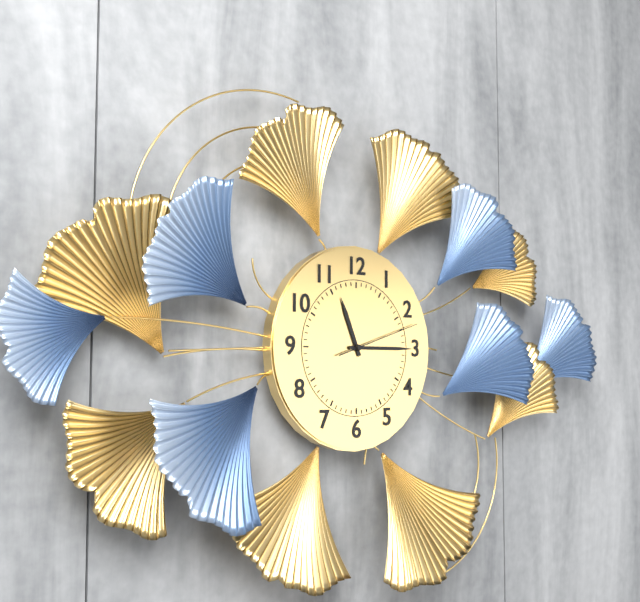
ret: {"hour": 11, "minute": 15, "second": 12}
